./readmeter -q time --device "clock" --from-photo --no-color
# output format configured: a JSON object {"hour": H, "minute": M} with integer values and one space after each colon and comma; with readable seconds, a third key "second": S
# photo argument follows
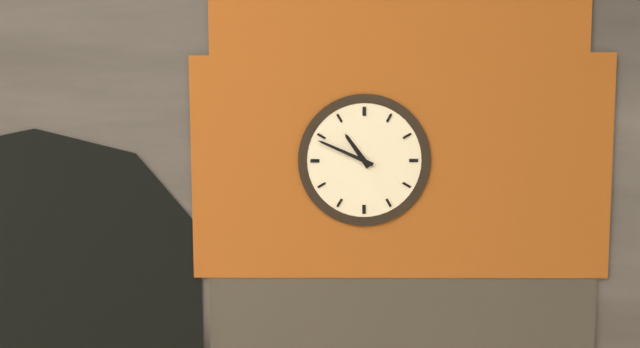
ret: {"hour": 10, "minute": 49}
